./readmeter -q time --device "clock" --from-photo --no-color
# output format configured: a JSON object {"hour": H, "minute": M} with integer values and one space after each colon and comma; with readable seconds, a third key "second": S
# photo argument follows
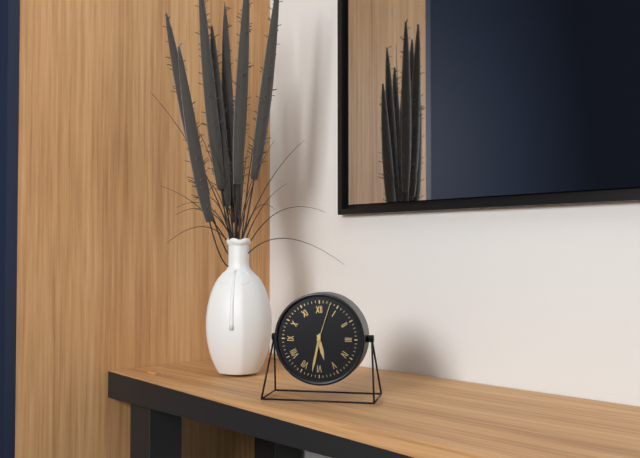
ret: {"hour": 5, "minute": 32}
